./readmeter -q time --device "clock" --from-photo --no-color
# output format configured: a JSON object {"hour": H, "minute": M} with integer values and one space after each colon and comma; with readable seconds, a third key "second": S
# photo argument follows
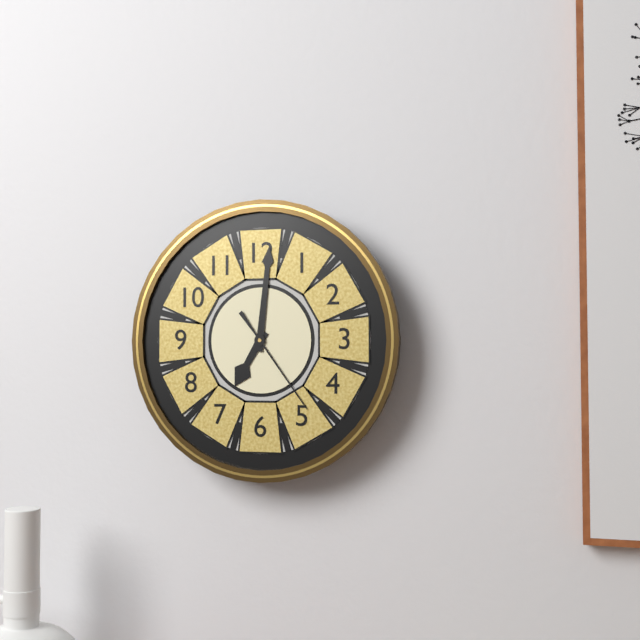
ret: {"hour": 7, "minute": 1, "second": 24}
